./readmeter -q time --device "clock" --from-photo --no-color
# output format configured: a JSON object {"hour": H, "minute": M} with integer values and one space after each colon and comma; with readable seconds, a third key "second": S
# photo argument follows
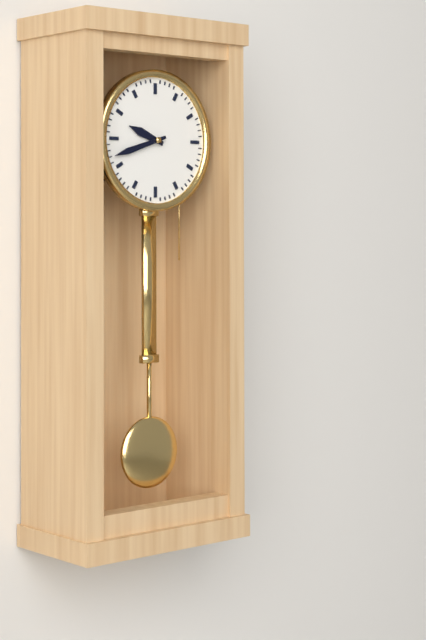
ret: {"hour": 9, "minute": 42}
